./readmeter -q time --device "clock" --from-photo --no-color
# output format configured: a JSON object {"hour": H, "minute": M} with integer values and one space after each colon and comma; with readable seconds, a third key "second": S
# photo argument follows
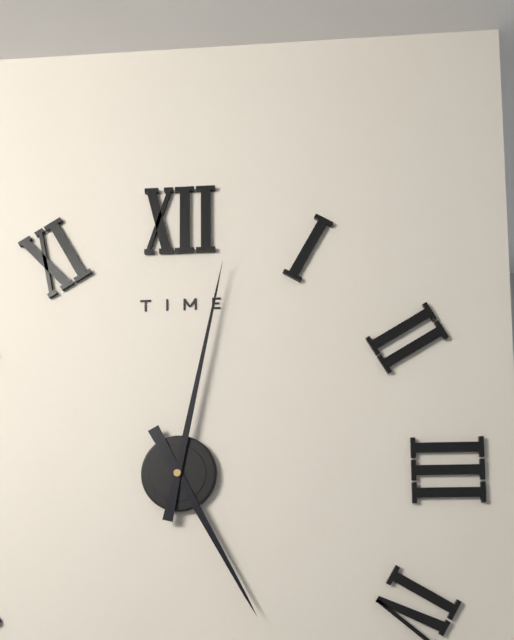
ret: {"hour": 5, "minute": 2}
